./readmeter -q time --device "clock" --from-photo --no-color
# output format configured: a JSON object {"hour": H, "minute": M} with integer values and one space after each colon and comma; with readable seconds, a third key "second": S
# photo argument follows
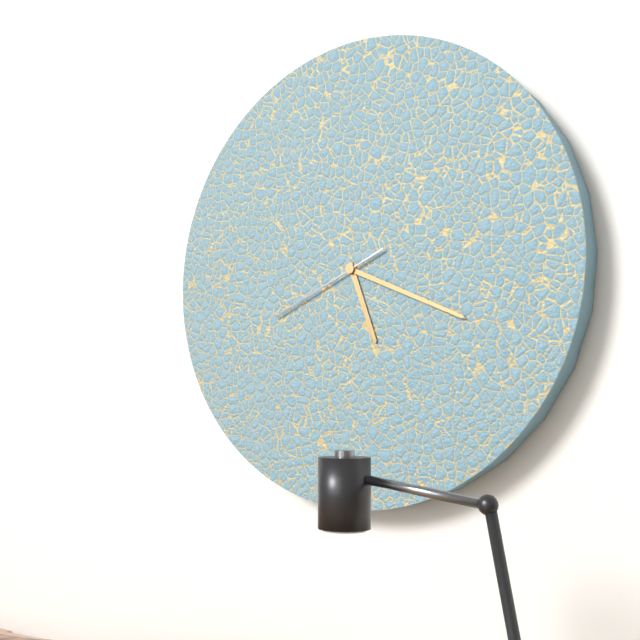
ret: {"hour": 5, "minute": 19, "second": 41}
